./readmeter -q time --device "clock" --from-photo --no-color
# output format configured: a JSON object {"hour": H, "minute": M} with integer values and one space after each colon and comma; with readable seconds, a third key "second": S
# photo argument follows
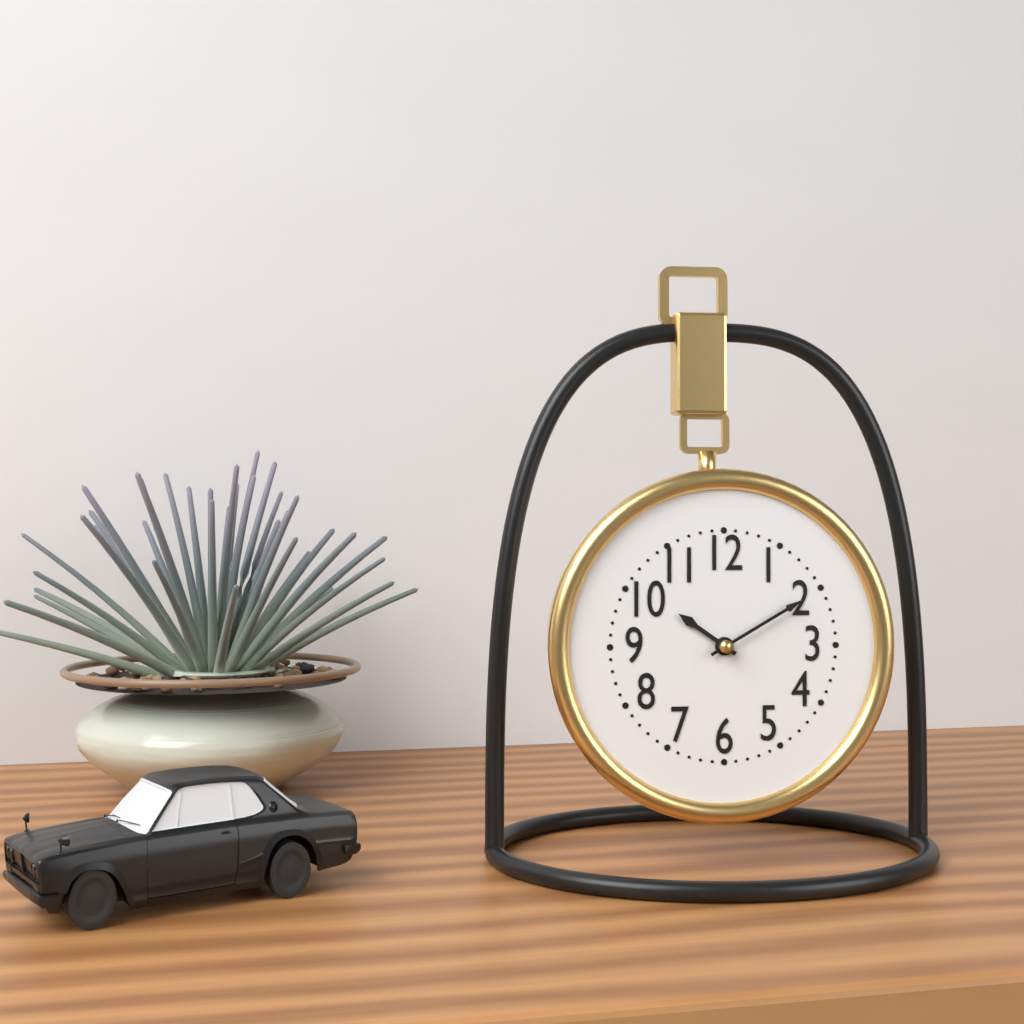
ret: {"hour": 10, "minute": 10}
